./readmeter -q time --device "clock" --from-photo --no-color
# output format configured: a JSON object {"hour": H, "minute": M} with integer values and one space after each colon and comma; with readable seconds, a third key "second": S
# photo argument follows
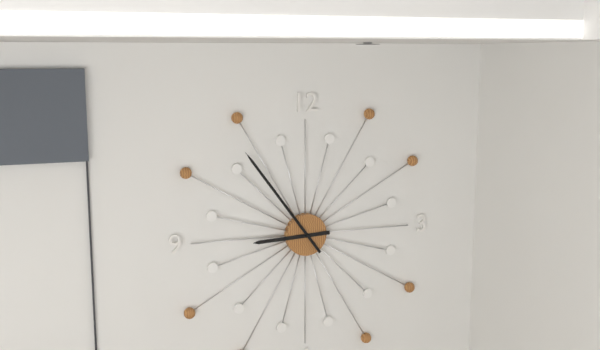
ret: {"hour": 8, "minute": 54}
